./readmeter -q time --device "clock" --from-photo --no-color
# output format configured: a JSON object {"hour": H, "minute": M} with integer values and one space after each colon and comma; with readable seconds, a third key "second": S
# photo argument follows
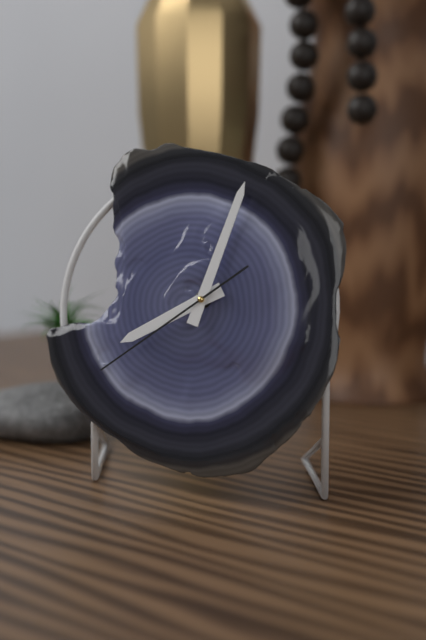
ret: {"hour": 8, "minute": 3, "second": 39}
